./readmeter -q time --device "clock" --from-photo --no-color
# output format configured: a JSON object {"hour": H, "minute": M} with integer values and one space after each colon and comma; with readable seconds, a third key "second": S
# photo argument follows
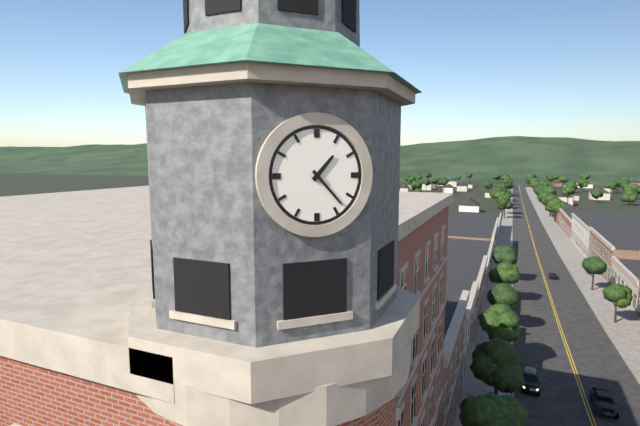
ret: {"hour": 1, "minute": 23}
